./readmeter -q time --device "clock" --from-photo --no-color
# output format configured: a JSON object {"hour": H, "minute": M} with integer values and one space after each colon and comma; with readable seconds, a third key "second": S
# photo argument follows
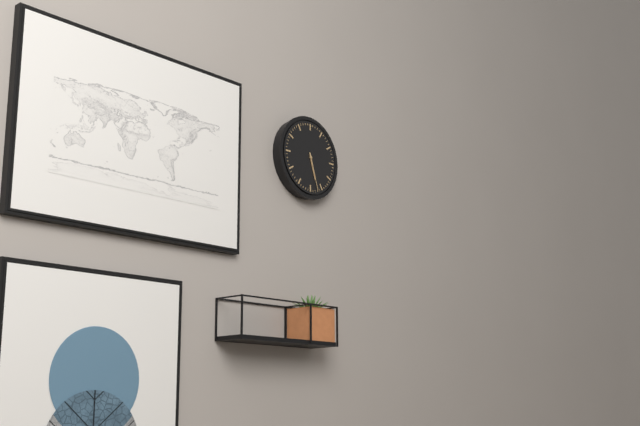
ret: {"hour": 5, "minute": 27}
